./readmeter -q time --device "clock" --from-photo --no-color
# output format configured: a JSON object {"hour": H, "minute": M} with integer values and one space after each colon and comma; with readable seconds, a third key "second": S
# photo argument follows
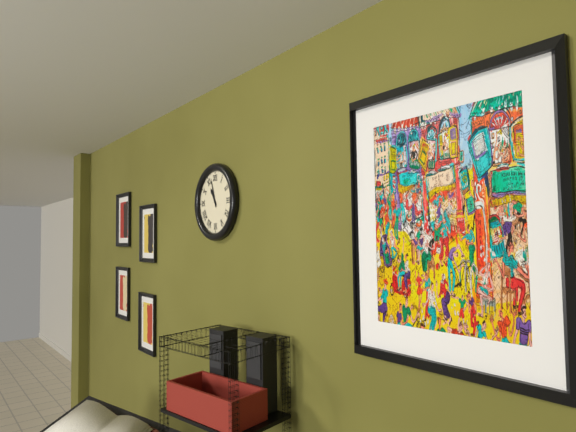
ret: {"hour": 10, "minute": 57}
